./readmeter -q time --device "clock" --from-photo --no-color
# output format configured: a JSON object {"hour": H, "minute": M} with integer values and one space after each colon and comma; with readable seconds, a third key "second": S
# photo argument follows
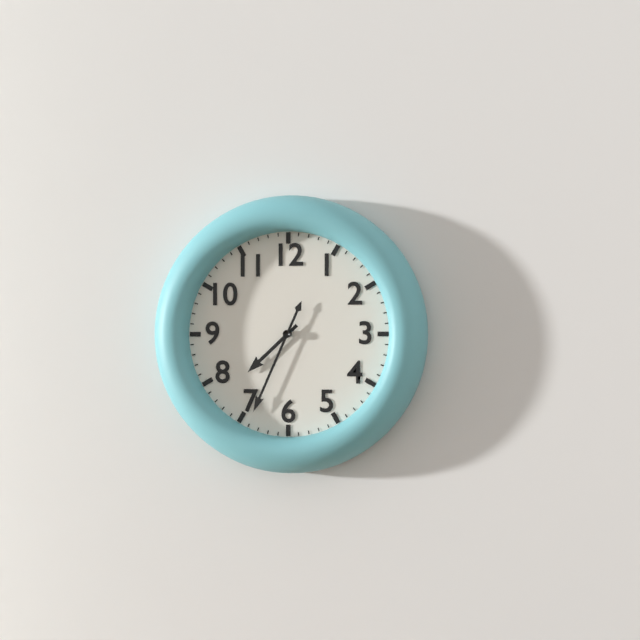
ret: {"hour": 7, "minute": 34}
